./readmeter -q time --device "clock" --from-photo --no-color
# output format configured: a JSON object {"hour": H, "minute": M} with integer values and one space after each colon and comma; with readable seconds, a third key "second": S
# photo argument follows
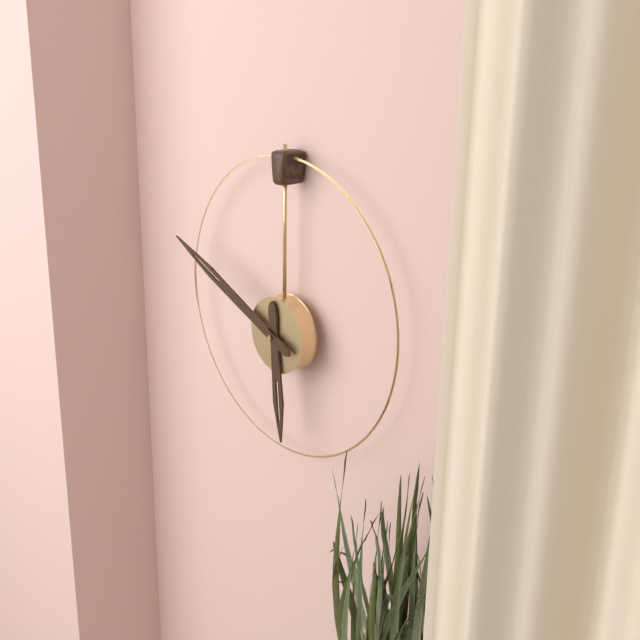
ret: {"hour": 5, "minute": 49}
